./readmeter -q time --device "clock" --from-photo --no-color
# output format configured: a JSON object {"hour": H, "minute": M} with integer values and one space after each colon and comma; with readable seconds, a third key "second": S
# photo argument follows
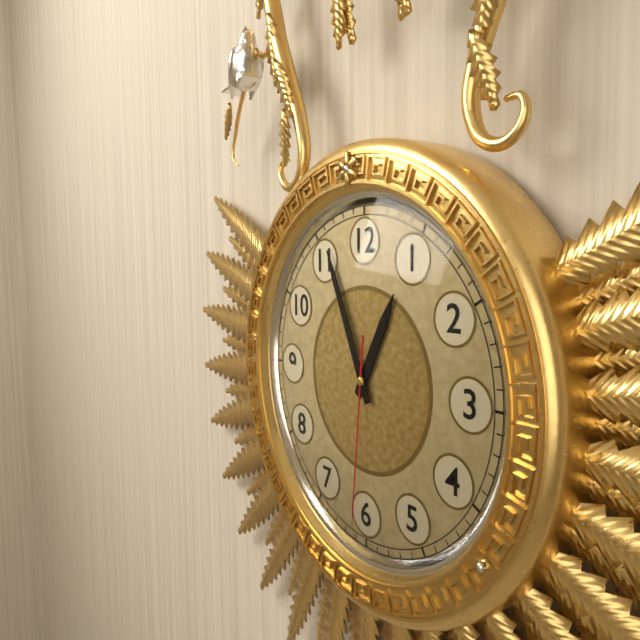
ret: {"hour": 12, "minute": 56, "second": 31}
